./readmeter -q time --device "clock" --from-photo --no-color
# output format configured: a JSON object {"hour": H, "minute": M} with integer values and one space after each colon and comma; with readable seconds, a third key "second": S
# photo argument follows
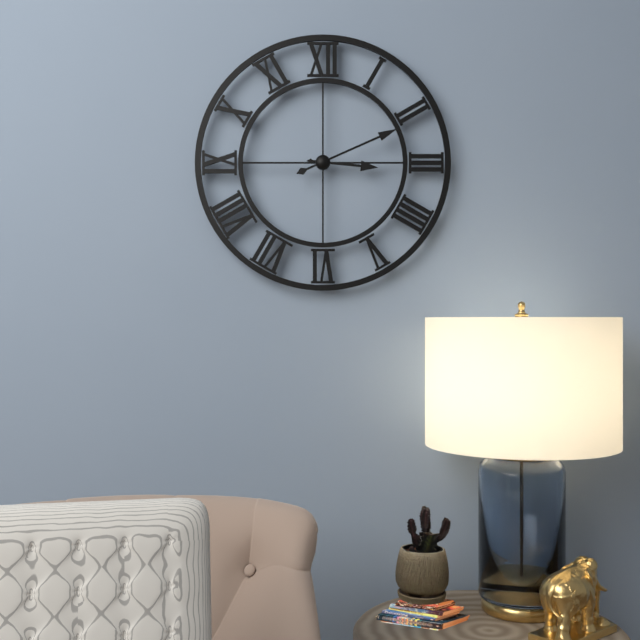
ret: {"hour": 3, "minute": 11}
